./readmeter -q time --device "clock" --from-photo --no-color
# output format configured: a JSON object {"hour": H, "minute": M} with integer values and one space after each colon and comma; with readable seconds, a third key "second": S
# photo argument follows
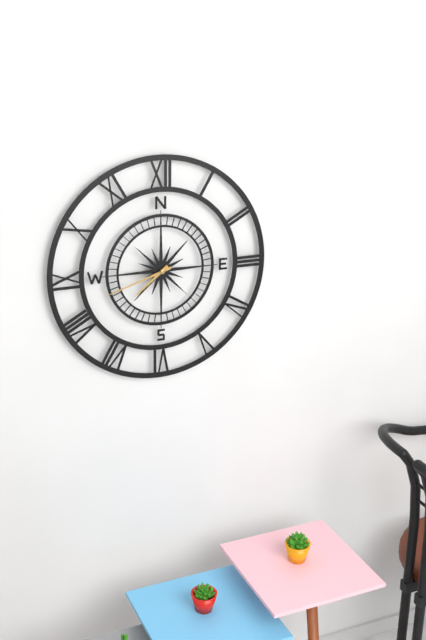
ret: {"hour": 7, "minute": 42}
